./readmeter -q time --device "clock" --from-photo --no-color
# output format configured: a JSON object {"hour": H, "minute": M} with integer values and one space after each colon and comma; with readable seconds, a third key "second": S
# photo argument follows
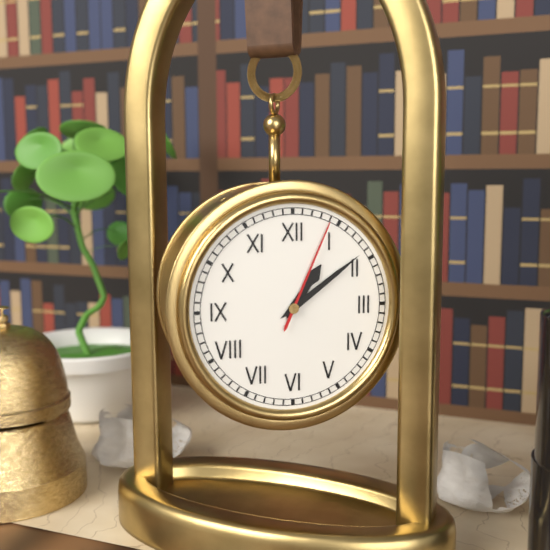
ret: {"hour": 1, "minute": 9, "second": 4}
